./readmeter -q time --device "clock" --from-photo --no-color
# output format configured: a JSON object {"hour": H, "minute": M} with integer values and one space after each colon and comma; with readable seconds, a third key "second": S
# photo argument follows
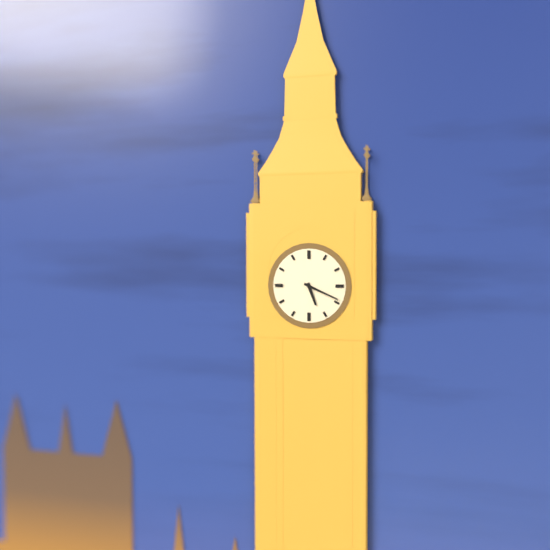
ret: {"hour": 5, "minute": 19}
